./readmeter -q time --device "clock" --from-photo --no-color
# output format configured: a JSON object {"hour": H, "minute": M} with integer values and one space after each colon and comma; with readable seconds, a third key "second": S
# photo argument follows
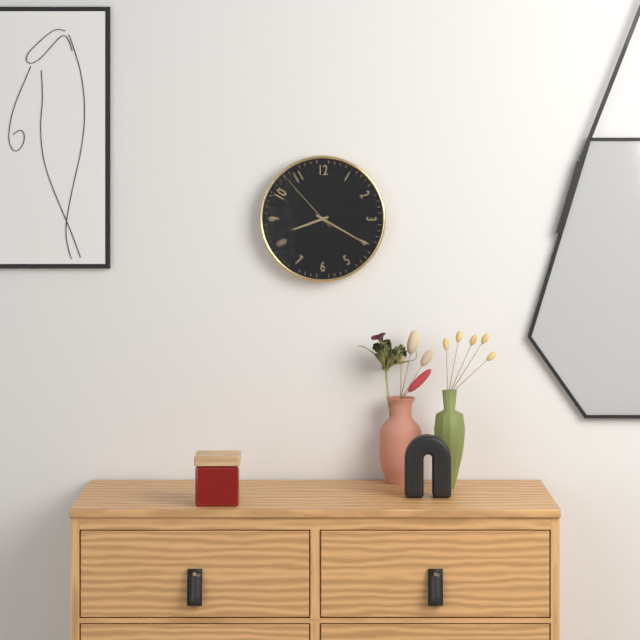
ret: {"hour": 8, "minute": 20, "second": 53}
